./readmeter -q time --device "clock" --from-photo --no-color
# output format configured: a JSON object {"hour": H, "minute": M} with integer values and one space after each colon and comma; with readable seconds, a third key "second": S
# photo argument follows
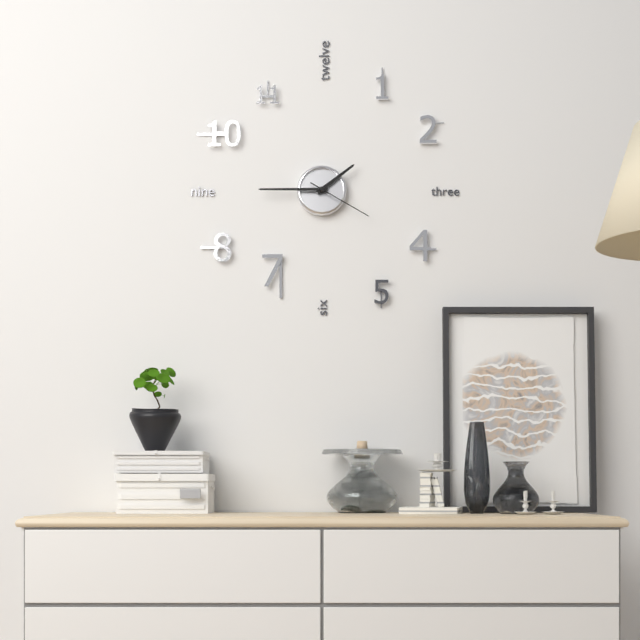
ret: {"hour": 1, "minute": 45, "second": 20}
